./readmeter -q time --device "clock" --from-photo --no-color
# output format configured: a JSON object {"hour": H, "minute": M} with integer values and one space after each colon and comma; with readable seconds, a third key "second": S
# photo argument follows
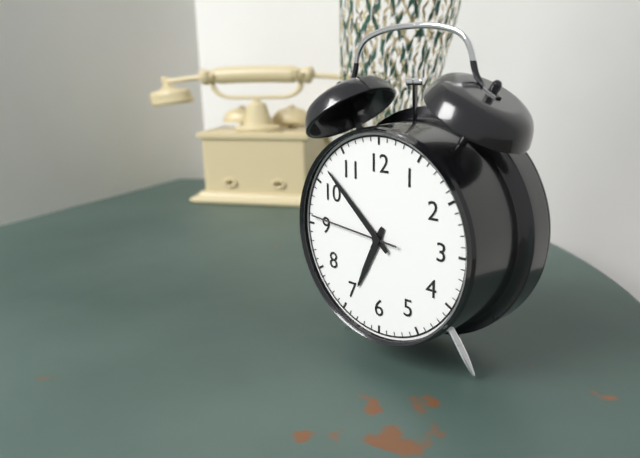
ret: {"hour": 6, "minute": 52, "second": 46}
